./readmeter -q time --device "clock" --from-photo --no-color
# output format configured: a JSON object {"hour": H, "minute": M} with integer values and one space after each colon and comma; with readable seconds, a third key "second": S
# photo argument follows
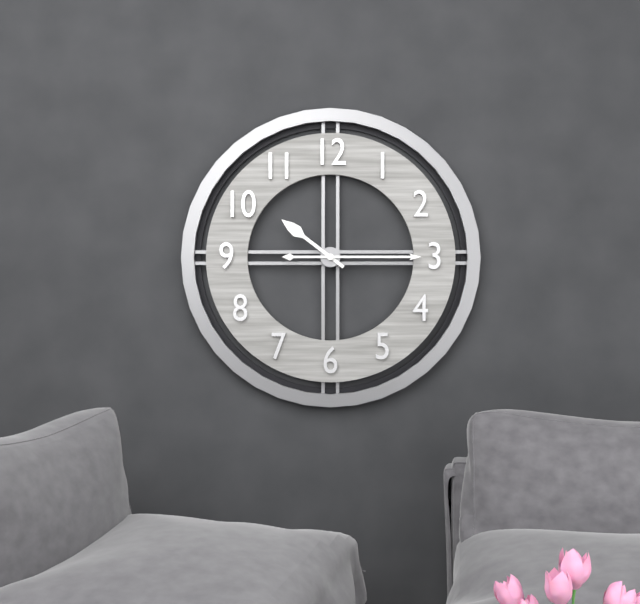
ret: {"hour": 10, "minute": 15}
